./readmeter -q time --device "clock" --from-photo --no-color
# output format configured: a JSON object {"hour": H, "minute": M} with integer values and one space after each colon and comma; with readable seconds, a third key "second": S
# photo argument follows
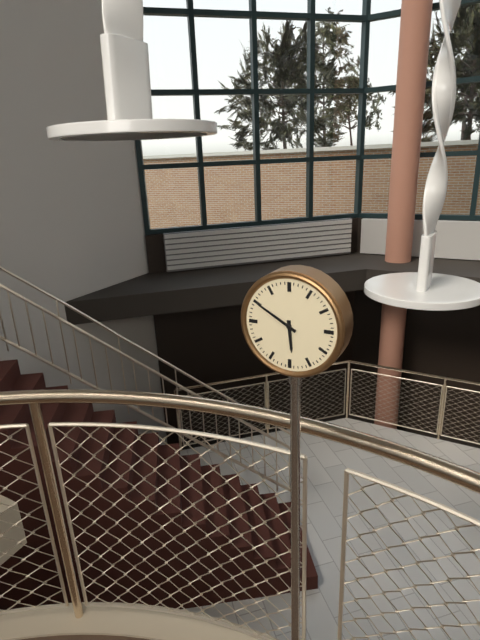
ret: {"hour": 5, "minute": 50}
